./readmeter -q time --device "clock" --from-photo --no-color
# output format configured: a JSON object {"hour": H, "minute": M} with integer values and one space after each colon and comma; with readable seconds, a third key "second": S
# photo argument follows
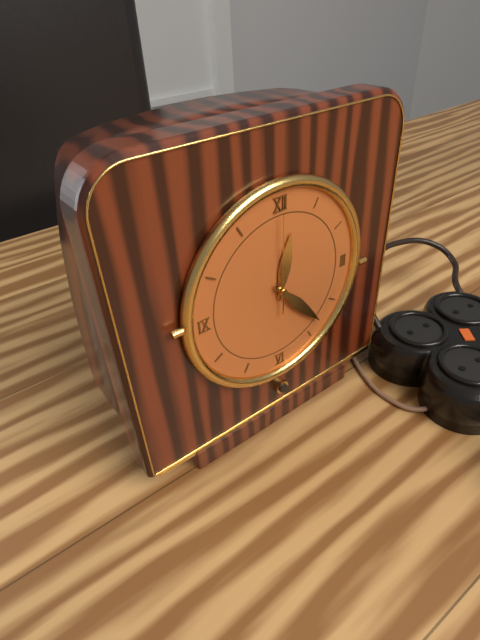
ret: {"hour": 12, "minute": 23, "second": 0}
